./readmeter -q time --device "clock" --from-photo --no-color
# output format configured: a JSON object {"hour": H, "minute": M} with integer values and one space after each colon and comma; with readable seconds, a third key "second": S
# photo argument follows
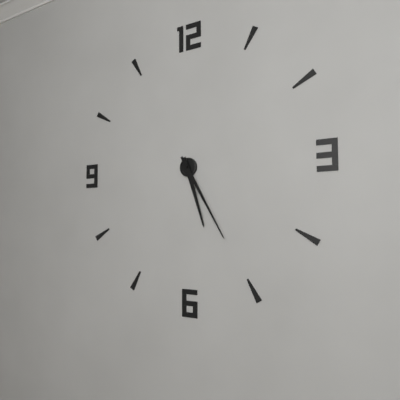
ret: {"hour": 5, "minute": 25}
